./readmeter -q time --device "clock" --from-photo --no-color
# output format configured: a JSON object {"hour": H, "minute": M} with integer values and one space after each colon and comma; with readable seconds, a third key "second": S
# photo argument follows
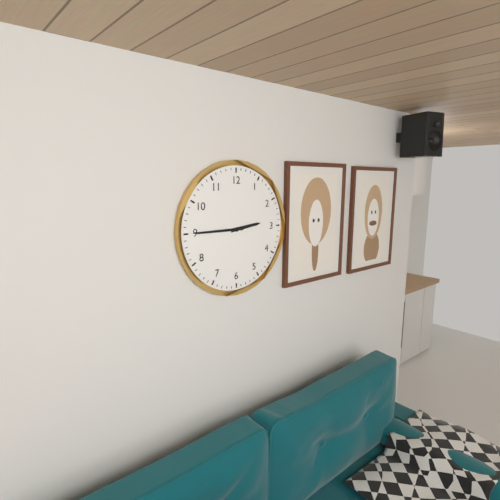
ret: {"hour": 2, "minute": 45}
